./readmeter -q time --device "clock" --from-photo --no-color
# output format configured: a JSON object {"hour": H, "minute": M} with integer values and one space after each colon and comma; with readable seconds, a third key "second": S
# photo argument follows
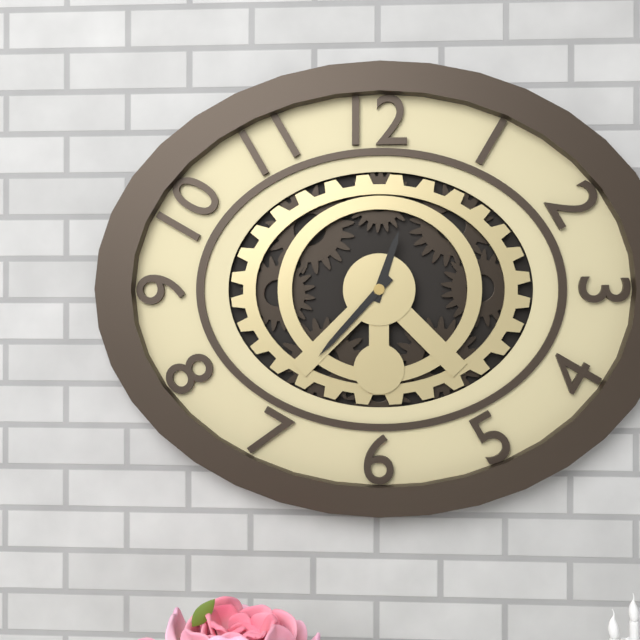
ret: {"hour": 12, "minute": 37}
